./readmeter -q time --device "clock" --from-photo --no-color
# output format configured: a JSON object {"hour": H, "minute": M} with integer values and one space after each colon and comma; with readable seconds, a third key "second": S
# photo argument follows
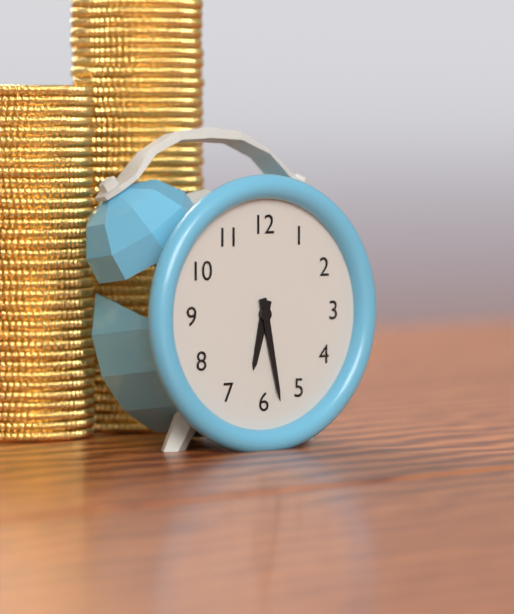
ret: {"hour": 6, "minute": 28}
